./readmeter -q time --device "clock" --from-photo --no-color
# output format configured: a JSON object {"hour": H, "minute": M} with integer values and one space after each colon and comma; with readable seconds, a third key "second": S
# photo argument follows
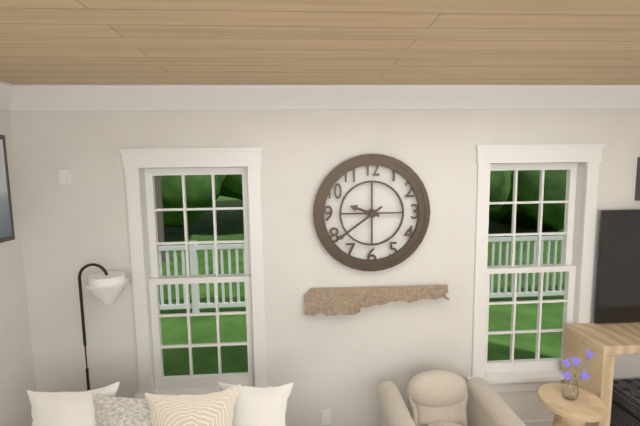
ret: {"hour": 9, "minute": 39}
